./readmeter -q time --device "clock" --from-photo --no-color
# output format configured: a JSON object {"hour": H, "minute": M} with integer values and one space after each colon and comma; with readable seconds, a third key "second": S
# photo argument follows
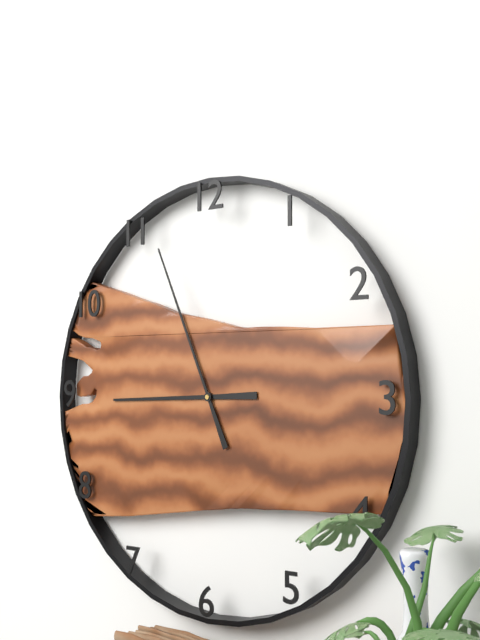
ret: {"hour": 8, "minute": 56}
